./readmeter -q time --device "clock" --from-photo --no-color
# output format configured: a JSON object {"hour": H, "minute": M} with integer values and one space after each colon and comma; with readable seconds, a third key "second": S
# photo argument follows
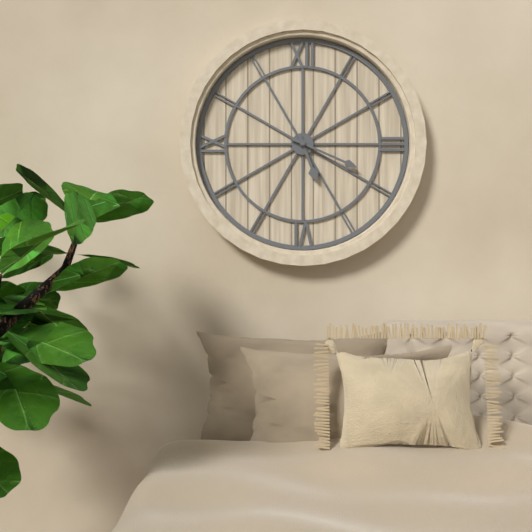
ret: {"hour": 5, "minute": 19}
